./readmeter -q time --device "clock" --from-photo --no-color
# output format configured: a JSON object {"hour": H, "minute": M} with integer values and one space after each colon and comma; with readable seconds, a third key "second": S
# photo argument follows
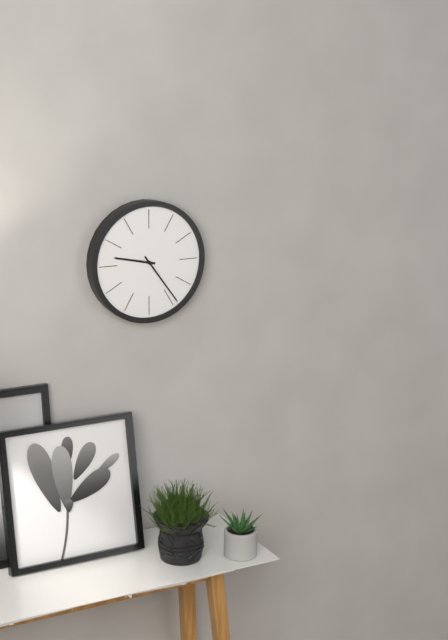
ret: {"hour": 9, "minute": 24}
